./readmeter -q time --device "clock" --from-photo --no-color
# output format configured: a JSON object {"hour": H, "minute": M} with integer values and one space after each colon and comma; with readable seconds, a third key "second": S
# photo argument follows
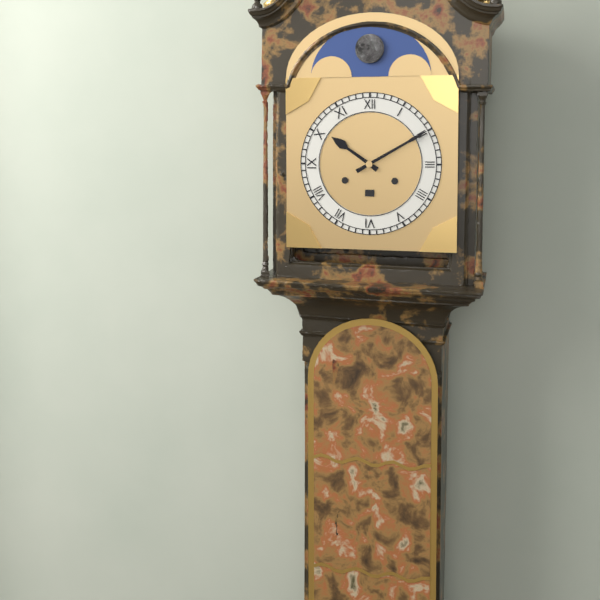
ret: {"hour": 10, "minute": 10}
